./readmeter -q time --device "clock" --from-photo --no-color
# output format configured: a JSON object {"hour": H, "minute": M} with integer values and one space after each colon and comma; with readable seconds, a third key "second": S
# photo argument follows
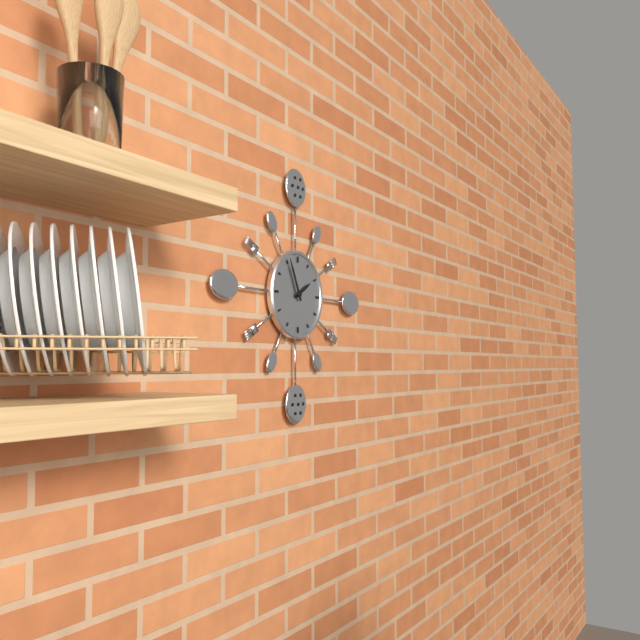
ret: {"hour": 1, "minute": 56}
